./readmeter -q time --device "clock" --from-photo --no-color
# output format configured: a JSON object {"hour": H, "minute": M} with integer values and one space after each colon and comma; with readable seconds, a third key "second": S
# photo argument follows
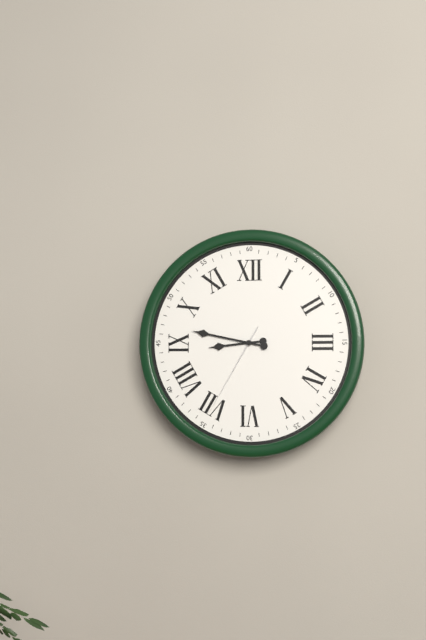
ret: {"hour": 8, "minute": 47, "second": 35}
